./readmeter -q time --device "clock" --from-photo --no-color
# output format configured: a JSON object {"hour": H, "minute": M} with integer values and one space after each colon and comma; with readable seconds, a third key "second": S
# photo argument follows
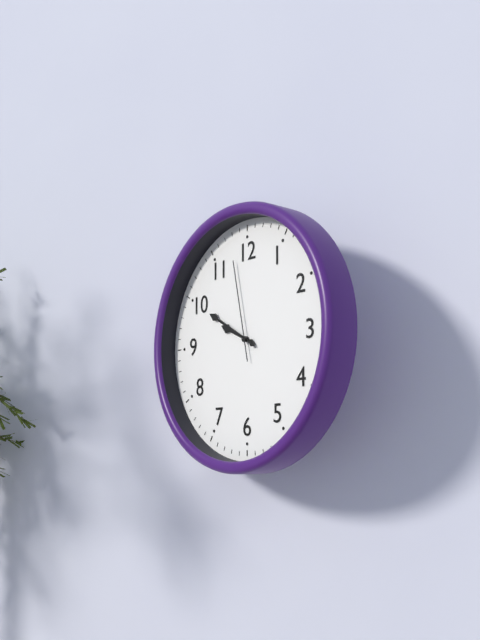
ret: {"hour": 9, "minute": 50, "second": 58}
